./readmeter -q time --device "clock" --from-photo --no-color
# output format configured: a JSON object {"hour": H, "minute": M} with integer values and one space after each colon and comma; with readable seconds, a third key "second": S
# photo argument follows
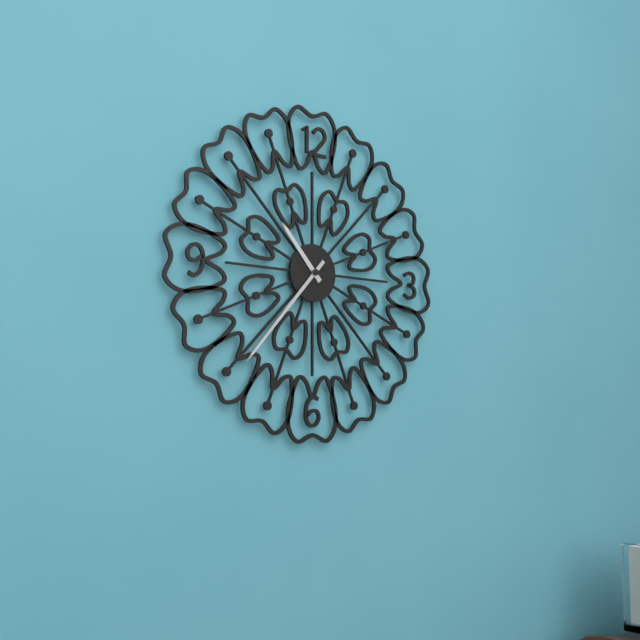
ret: {"hour": 10, "minute": 37}
